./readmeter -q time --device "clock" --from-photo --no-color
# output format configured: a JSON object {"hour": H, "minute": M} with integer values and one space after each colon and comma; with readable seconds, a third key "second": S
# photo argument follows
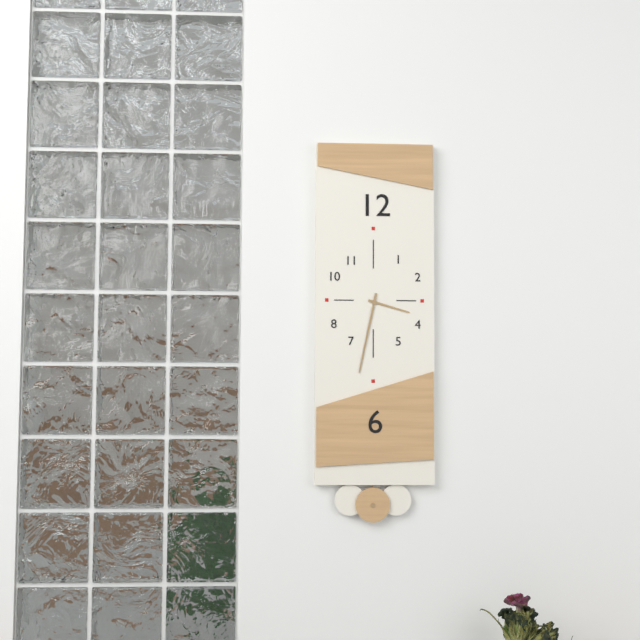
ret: {"hour": 3, "minute": 32}
